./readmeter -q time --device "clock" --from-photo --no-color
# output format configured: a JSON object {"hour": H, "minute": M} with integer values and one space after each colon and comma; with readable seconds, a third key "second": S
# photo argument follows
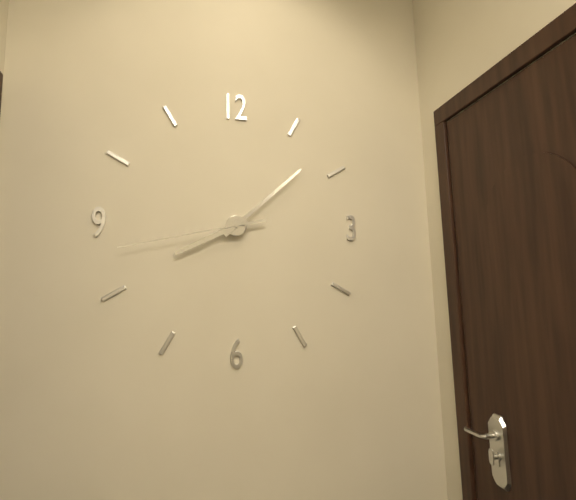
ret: {"hour": 8, "minute": 8, "second": 43}
